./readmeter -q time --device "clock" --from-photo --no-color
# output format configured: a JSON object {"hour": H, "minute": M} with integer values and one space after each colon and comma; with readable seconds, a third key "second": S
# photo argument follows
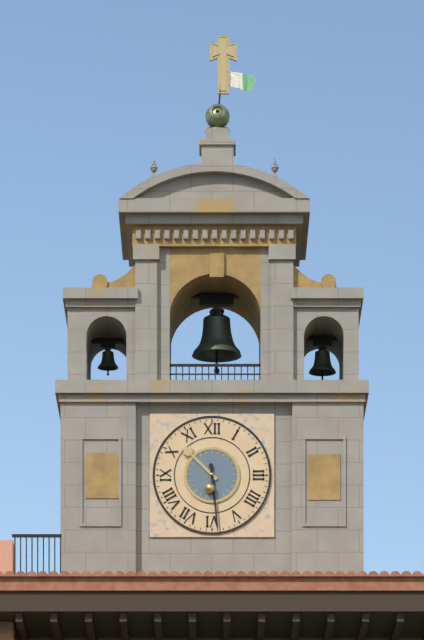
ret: {"hour": 10, "minute": 29}
